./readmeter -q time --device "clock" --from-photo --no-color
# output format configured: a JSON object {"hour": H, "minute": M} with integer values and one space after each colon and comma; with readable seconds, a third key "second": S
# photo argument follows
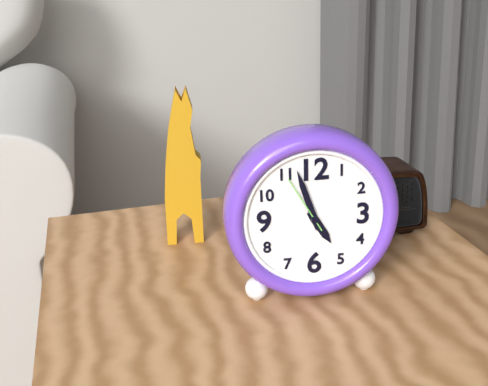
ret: {"hour": 4, "minute": 57, "second": 55}
